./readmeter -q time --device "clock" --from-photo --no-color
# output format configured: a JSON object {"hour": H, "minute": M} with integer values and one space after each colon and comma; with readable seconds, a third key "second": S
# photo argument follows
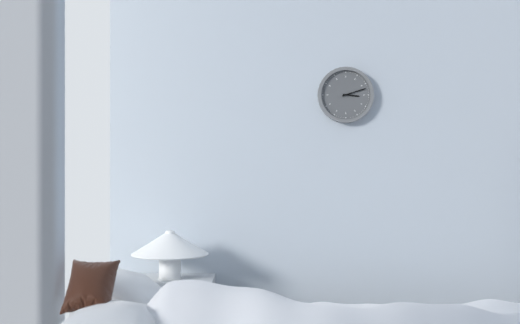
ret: {"hour": 3, "minute": 12}
